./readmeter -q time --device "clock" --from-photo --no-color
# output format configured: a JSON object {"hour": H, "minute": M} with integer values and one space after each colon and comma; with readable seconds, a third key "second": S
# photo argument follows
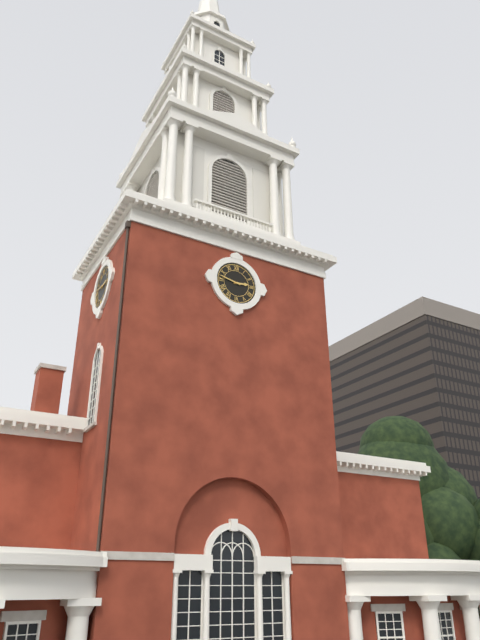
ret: {"hour": 2, "minute": 47}
